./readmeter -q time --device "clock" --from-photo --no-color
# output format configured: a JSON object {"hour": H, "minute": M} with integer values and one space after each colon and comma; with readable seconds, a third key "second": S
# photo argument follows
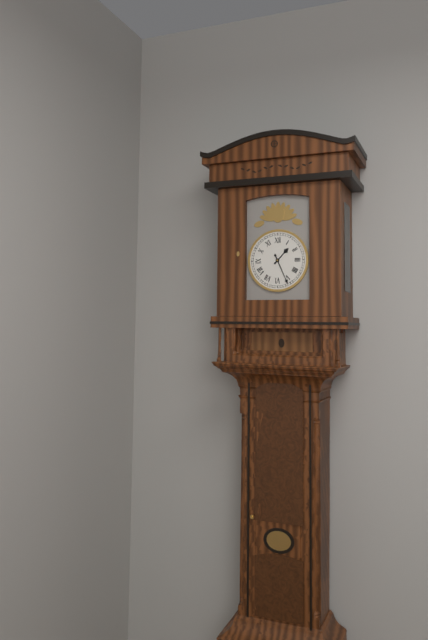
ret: {"hour": 1, "minute": 26}
